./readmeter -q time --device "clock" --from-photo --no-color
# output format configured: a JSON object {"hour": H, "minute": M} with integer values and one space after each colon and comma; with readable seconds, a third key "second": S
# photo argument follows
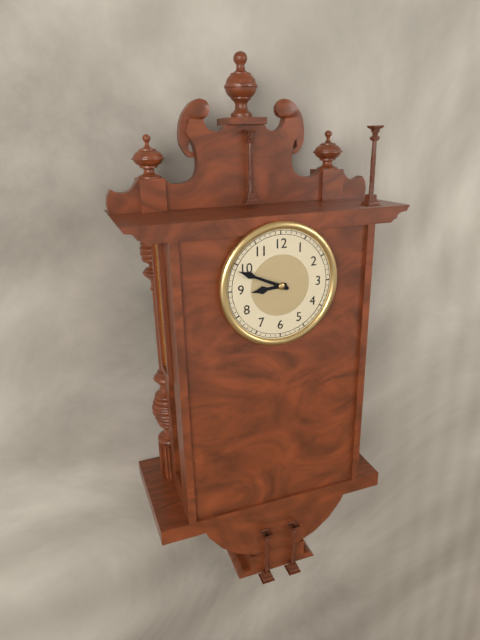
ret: {"hour": 8, "minute": 49}
